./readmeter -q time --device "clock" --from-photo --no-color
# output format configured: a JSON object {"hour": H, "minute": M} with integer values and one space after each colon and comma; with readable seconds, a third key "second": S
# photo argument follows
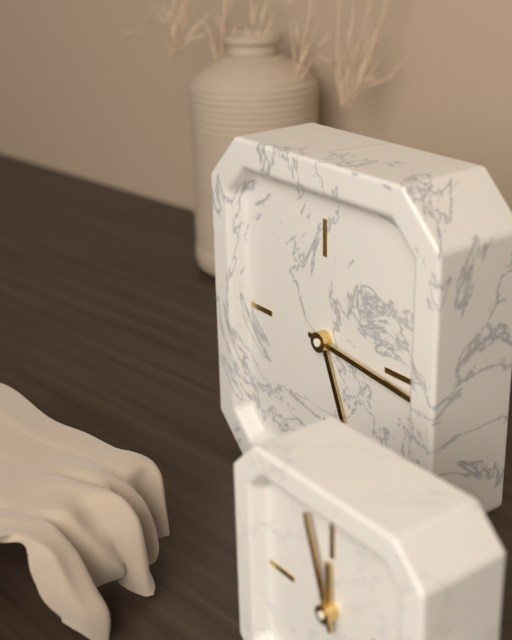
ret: {"hour": 5, "minute": 16}
